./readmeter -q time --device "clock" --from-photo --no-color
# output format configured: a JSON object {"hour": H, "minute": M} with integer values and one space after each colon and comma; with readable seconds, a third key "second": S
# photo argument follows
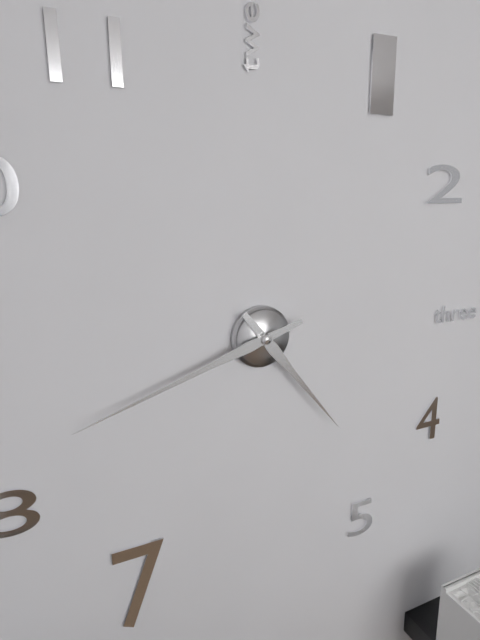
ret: {"hour": 4, "minute": 42}
